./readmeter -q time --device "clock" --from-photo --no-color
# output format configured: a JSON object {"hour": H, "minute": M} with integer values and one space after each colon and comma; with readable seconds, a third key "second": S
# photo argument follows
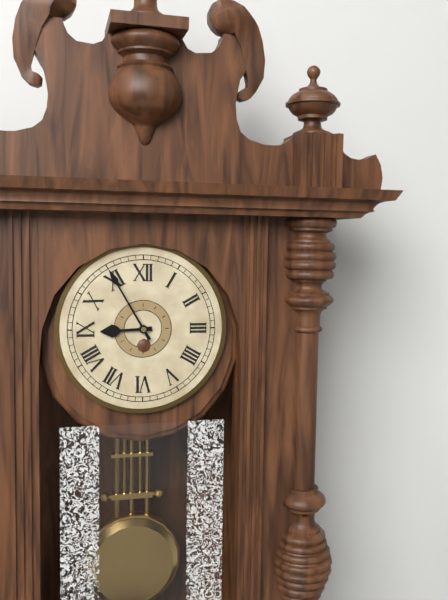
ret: {"hour": 8, "minute": 55}
